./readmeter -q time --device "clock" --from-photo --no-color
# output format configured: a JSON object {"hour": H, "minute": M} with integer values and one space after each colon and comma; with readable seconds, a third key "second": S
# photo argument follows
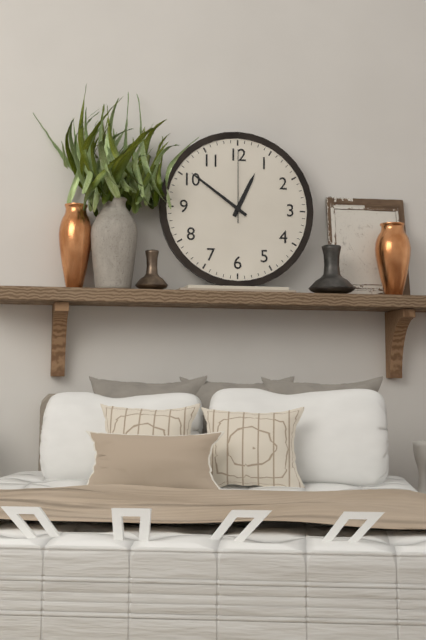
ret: {"hour": 12, "minute": 51, "second": 0}
